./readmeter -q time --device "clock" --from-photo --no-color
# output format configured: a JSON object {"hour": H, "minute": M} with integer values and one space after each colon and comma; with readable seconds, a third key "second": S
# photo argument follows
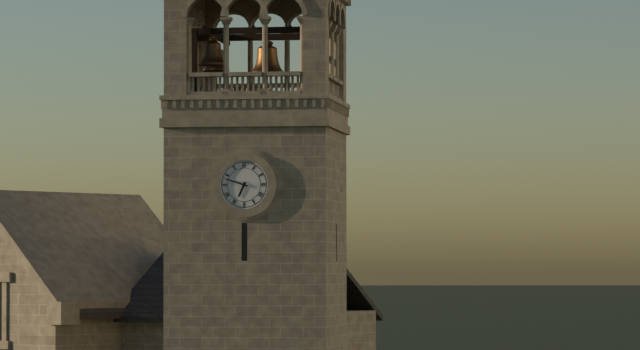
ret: {"hour": 6, "minute": 48}
